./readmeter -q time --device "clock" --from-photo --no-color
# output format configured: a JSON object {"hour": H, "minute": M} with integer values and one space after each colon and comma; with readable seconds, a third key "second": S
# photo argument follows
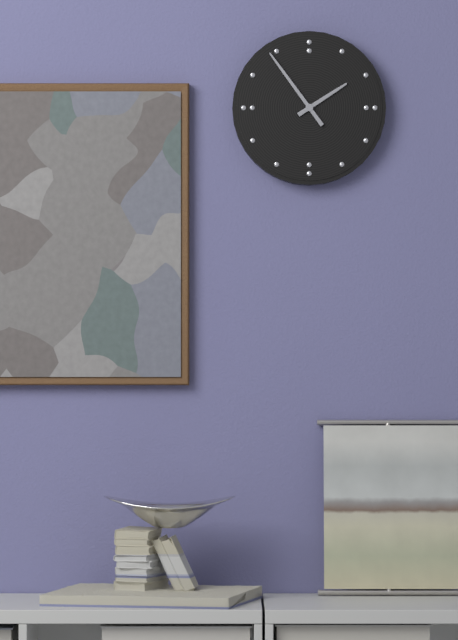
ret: {"hour": 1, "minute": 54}
